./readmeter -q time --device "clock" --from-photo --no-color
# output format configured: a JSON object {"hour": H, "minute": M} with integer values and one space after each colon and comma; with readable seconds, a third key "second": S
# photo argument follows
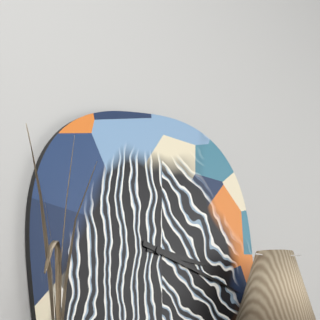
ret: {"hour": 3, "minute": 18}
